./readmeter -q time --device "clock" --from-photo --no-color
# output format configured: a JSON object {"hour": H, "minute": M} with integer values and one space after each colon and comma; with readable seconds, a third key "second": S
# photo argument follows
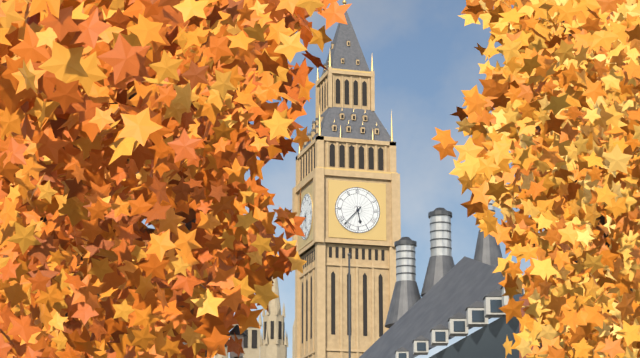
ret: {"hour": 5, "minute": 37}
